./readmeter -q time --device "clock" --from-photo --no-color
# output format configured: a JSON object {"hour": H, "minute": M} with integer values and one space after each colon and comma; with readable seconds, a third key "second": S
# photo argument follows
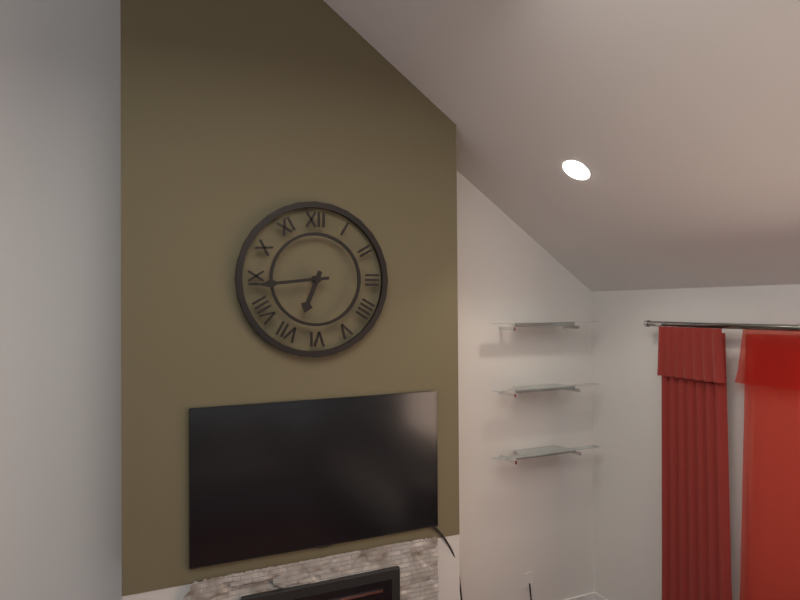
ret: {"hour": 6, "minute": 44}
